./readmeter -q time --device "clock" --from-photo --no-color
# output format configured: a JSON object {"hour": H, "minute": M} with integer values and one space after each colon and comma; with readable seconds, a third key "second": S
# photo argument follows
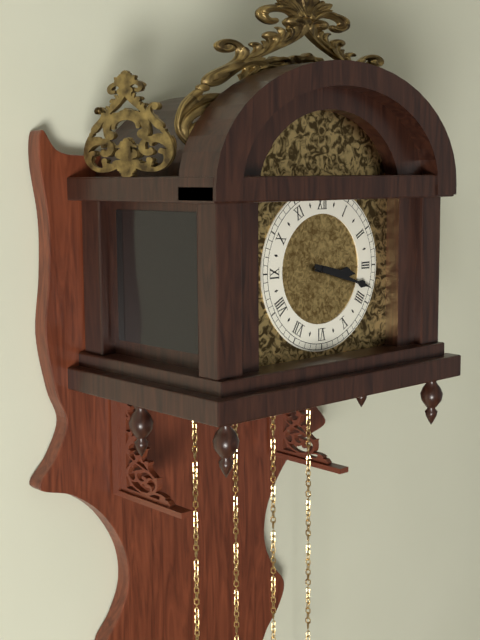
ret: {"hour": 3, "minute": 18}
